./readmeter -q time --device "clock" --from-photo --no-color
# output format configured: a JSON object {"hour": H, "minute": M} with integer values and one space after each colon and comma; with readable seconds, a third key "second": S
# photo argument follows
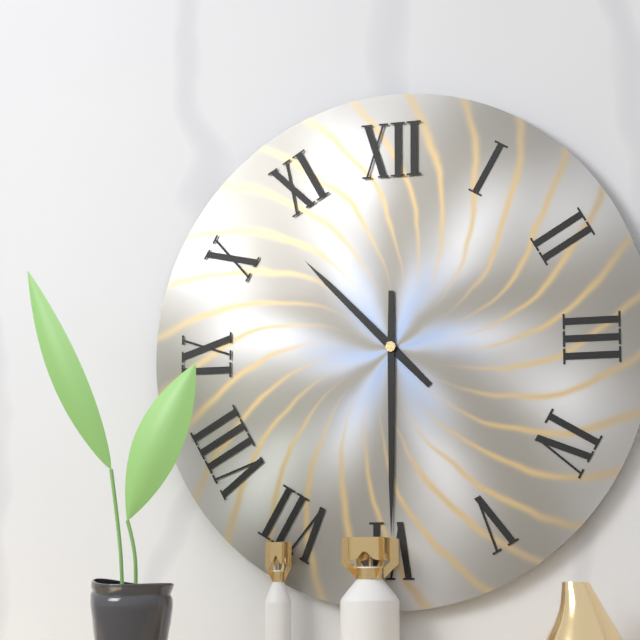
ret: {"hour": 10, "minute": 30}
